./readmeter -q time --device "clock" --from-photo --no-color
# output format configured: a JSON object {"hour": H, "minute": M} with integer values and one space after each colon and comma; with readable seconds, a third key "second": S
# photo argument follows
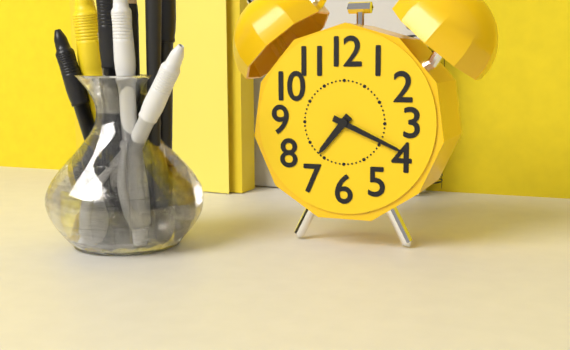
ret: {"hour": 7, "minute": 19}
